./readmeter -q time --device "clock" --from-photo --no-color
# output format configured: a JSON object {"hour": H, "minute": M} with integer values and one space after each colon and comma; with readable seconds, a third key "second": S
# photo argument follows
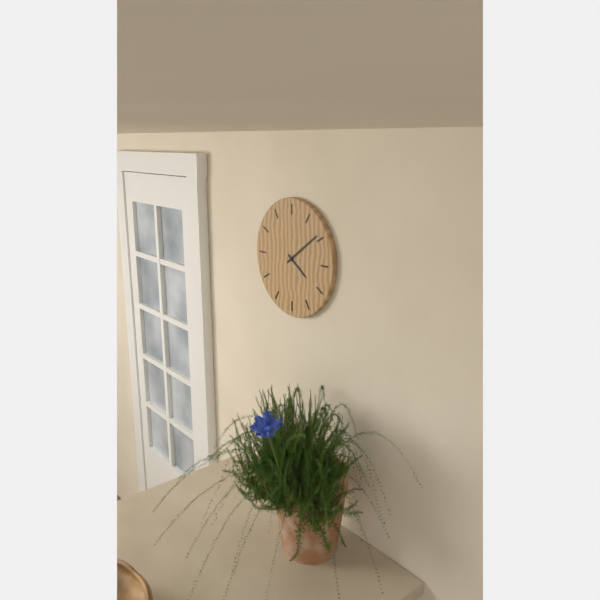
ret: {"hour": 4, "minute": 9}
